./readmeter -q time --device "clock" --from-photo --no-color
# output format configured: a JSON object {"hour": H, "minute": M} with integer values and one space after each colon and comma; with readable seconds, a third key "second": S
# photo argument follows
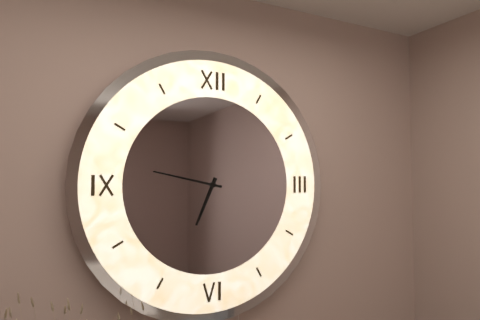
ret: {"hour": 6, "minute": 47}
